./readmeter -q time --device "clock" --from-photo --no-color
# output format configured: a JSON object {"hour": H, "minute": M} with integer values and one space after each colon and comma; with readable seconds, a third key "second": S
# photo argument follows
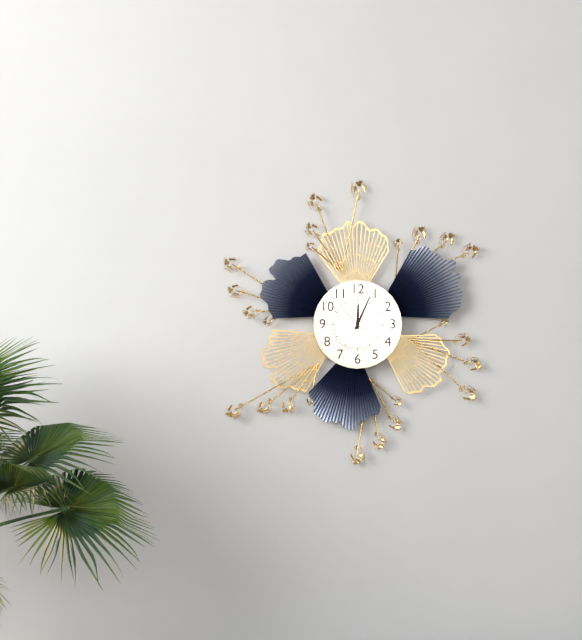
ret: {"hour": 12, "minute": 4}
